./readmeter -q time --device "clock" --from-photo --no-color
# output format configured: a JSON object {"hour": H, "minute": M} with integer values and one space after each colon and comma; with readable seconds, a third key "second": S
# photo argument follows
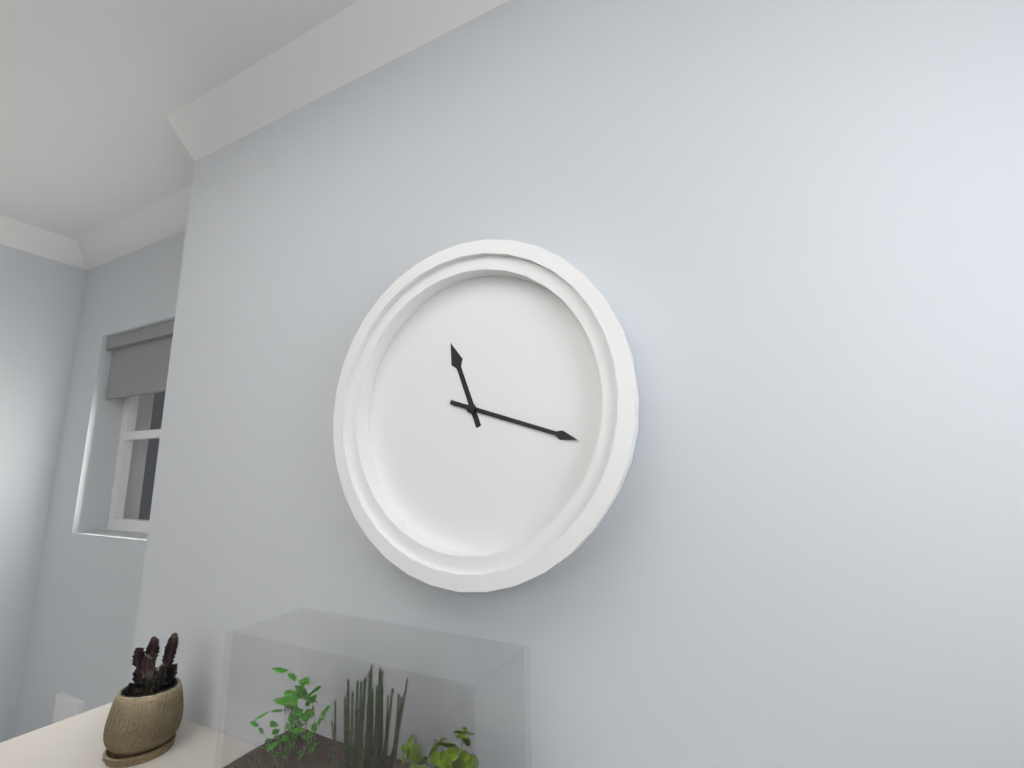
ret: {"hour": 11, "minute": 18}
